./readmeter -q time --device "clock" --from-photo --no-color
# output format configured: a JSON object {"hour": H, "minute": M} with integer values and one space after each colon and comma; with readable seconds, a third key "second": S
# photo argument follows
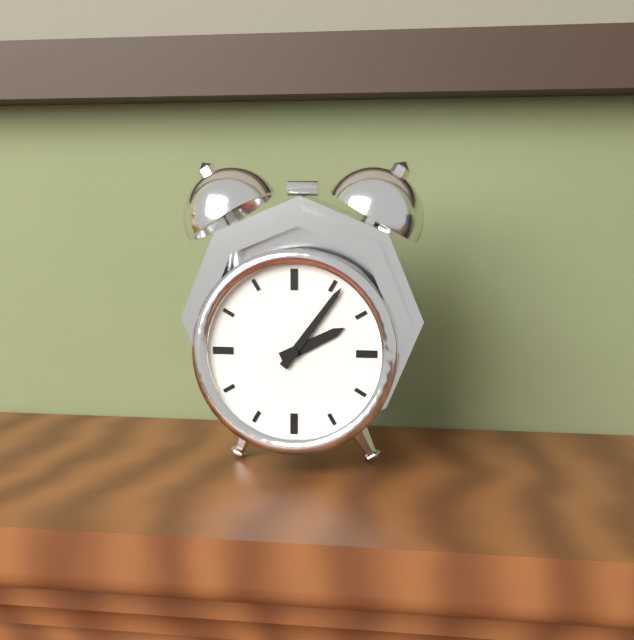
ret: {"hour": 2, "minute": 6}
